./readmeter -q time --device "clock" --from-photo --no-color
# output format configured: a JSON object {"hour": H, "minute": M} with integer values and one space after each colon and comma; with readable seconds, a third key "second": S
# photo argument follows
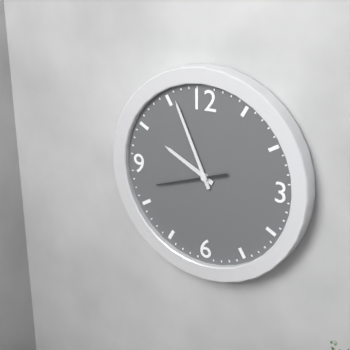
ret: {"hour": 9, "minute": 56, "second": 42}
